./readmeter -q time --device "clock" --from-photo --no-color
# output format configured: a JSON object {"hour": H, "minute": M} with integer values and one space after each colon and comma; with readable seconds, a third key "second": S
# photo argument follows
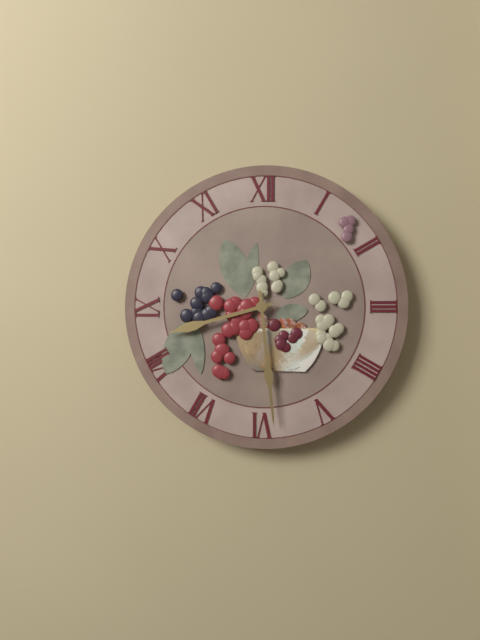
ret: {"hour": 8, "minute": 29}
